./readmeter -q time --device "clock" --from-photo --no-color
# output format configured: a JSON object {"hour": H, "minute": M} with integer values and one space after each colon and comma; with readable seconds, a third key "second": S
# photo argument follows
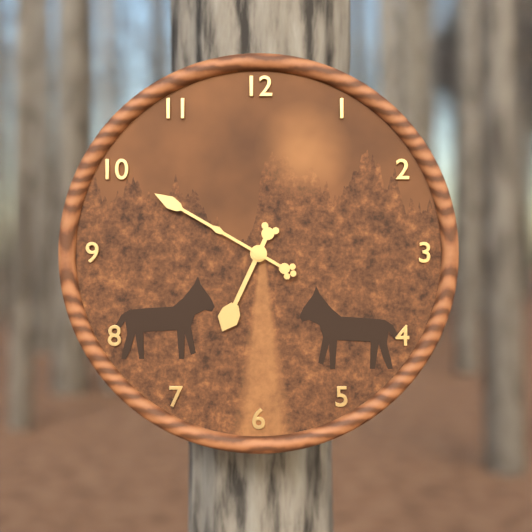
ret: {"hour": 6, "minute": 50}
